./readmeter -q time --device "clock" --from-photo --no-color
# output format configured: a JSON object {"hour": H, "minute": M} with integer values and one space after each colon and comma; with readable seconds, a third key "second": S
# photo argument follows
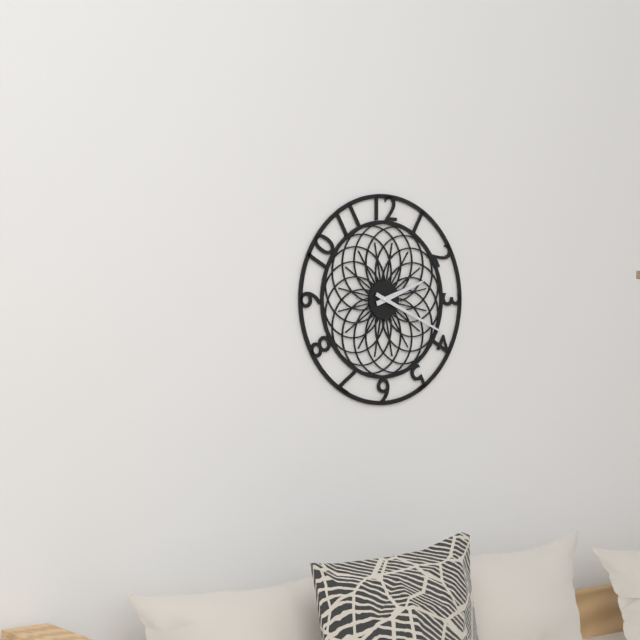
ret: {"hour": 2, "minute": 19}
